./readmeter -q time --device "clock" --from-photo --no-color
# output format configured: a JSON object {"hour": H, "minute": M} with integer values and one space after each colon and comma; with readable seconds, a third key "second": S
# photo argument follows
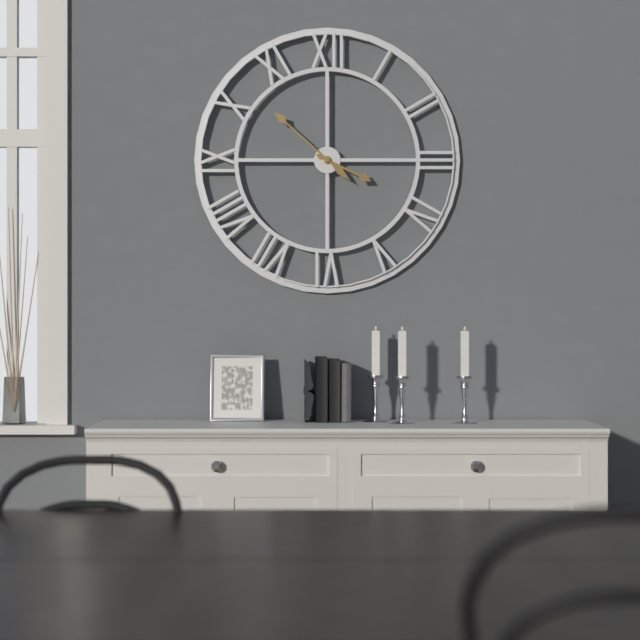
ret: {"hour": 3, "minute": 52}
